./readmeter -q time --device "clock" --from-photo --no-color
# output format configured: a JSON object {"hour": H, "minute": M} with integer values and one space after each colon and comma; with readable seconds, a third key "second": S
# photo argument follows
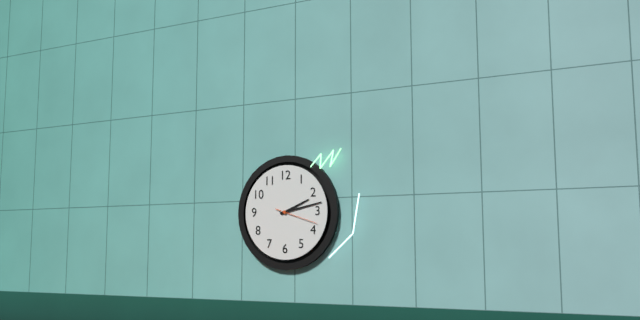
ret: {"hour": 2, "minute": 13}
